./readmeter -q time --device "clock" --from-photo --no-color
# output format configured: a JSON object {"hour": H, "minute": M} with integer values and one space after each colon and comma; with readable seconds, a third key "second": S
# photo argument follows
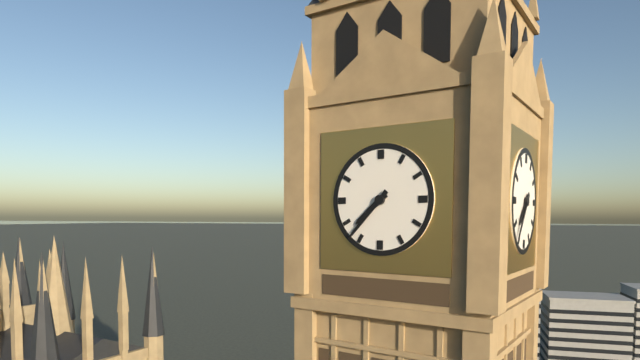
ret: {"hour": 7, "minute": 37}
